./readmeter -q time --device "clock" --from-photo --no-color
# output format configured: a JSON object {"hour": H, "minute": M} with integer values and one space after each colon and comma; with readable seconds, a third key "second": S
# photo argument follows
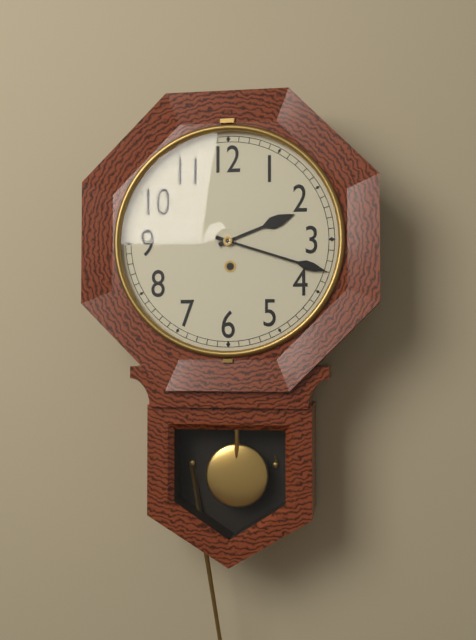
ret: {"hour": 2, "minute": 18}
